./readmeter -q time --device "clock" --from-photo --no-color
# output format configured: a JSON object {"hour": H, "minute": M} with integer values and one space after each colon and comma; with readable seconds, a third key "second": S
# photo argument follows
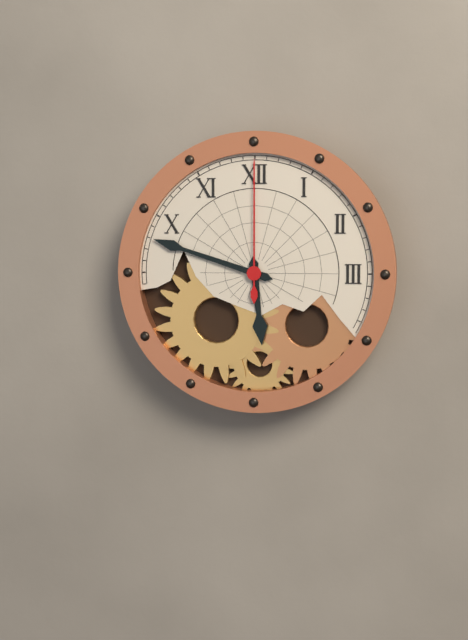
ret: {"hour": 5, "minute": 48, "second": 0}
